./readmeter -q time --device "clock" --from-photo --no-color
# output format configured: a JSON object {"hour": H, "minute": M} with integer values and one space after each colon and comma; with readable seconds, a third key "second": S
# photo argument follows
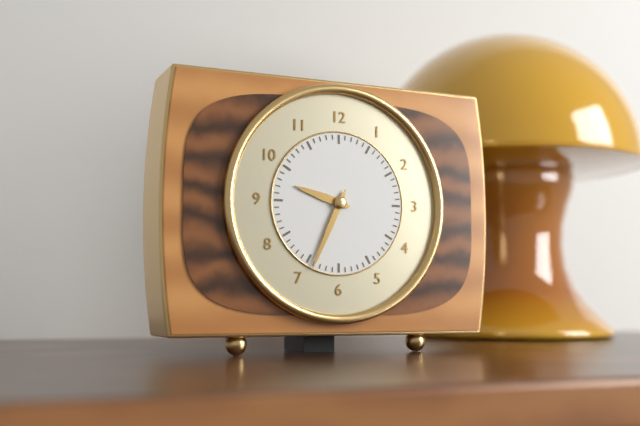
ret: {"hour": 9, "minute": 34}
